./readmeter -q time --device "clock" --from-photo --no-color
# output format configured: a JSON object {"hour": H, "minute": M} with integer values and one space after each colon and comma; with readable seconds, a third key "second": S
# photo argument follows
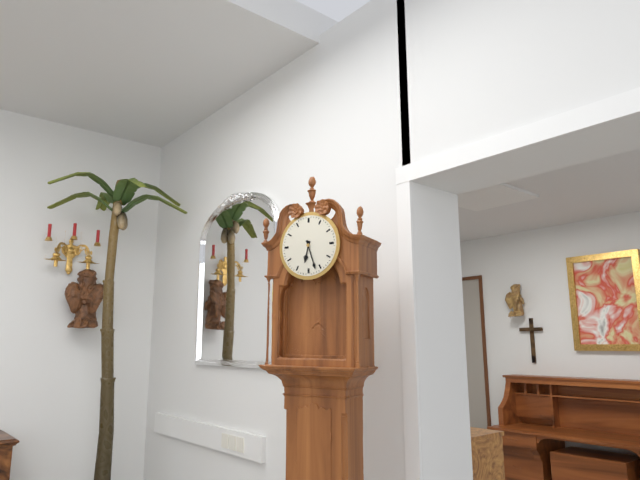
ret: {"hour": 6, "minute": 27}
